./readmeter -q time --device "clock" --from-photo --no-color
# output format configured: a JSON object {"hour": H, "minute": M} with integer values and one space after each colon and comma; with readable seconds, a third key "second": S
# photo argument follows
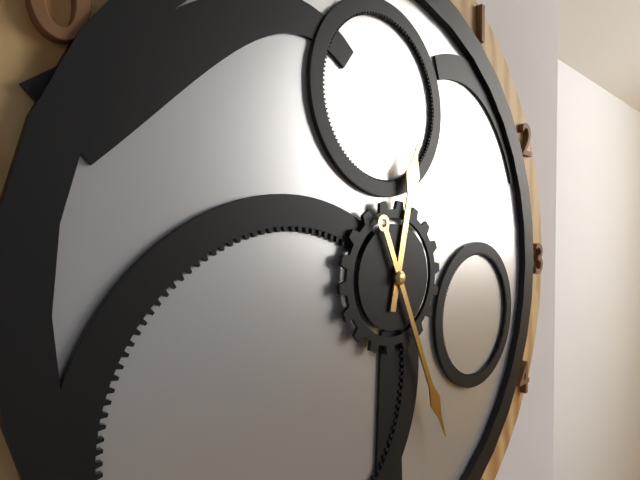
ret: {"hour": 12, "minute": 26}
